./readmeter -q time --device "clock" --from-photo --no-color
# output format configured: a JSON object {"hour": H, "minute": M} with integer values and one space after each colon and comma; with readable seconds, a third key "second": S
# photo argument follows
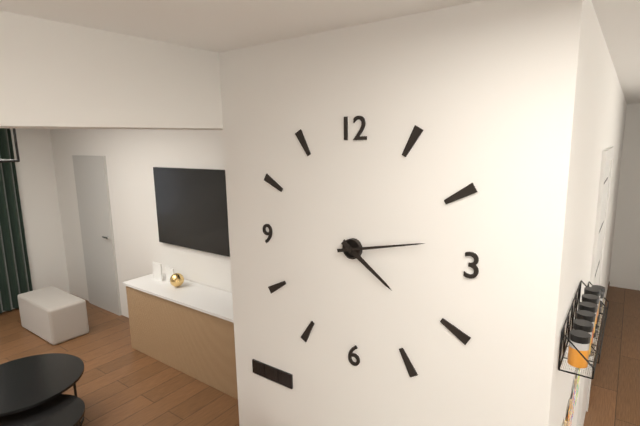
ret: {"hour": 4, "minute": 13}
